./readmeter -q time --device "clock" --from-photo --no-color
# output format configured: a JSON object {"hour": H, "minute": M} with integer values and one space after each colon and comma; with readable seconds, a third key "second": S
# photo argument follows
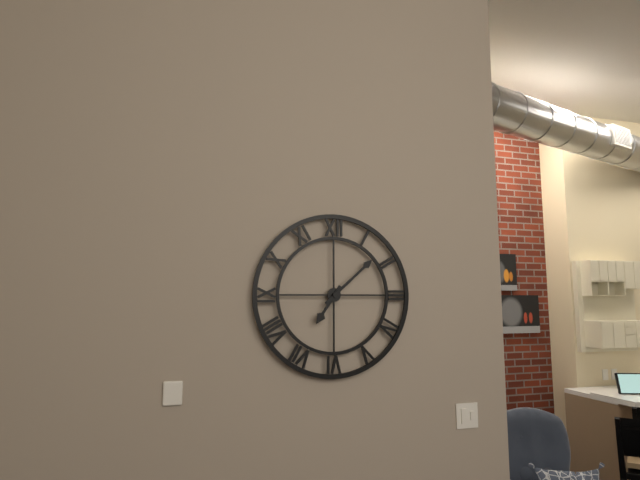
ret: {"hour": 7, "minute": 8}
